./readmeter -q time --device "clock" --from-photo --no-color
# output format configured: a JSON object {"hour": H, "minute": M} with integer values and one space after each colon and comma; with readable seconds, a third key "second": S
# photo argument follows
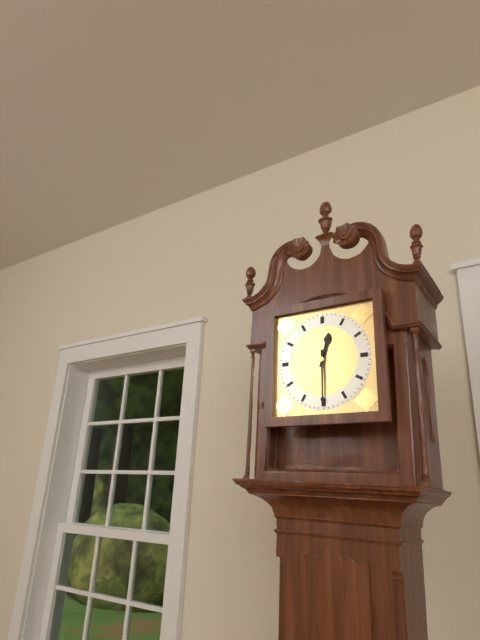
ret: {"hour": 12, "minute": 30}
